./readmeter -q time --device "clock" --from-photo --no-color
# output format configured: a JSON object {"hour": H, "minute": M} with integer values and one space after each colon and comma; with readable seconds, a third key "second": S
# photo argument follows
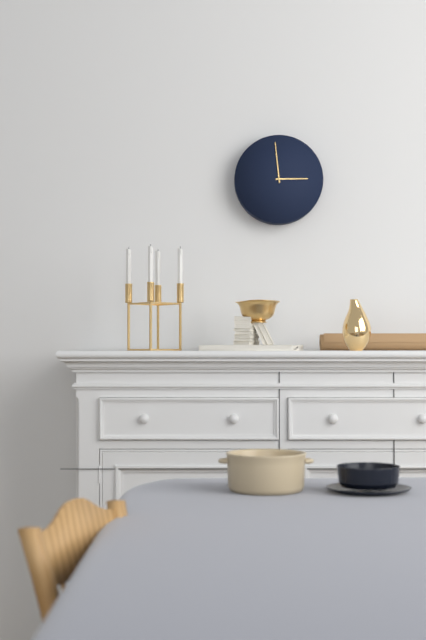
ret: {"hour": 2, "minute": 59}
